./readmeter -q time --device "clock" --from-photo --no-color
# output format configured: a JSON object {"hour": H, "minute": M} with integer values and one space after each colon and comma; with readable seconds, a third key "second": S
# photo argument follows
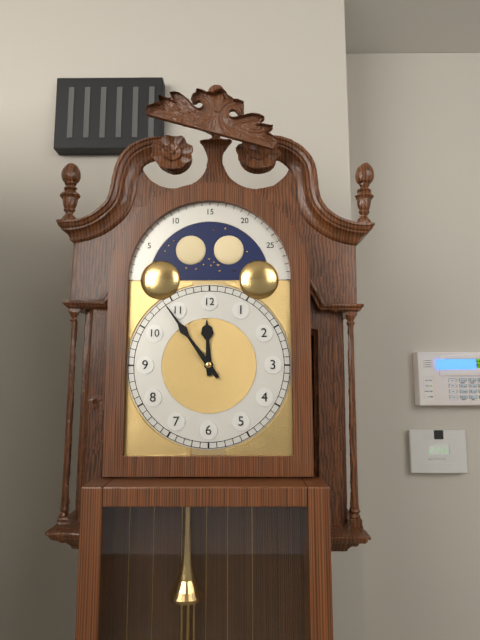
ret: {"hour": 11, "minute": 54}
